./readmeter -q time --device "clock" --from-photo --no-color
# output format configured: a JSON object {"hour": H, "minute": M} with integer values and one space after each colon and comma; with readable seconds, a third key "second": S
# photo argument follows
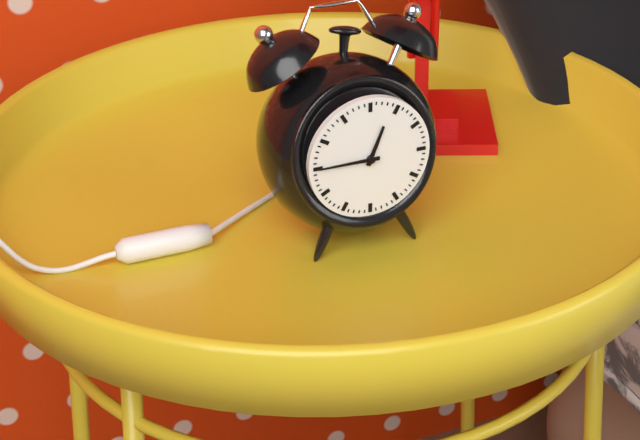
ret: {"hour": 12, "minute": 45}
